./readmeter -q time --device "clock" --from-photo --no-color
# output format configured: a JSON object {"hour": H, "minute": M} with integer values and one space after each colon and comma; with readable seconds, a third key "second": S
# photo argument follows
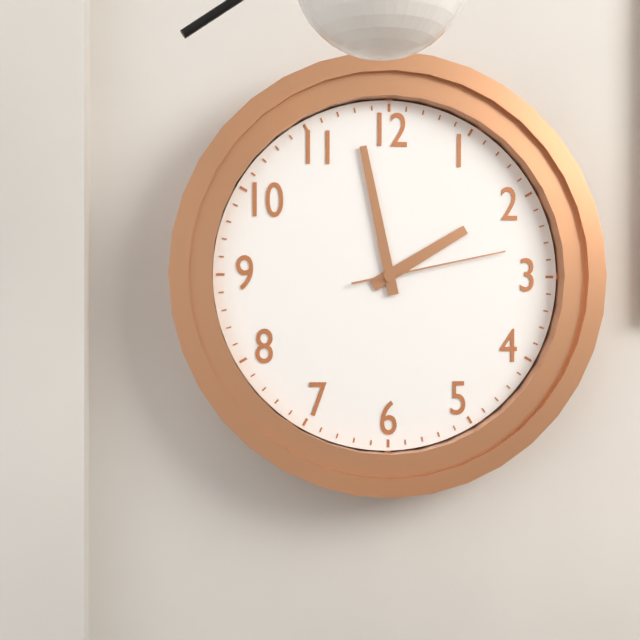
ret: {"hour": 1, "minute": 58, "second": 13}
